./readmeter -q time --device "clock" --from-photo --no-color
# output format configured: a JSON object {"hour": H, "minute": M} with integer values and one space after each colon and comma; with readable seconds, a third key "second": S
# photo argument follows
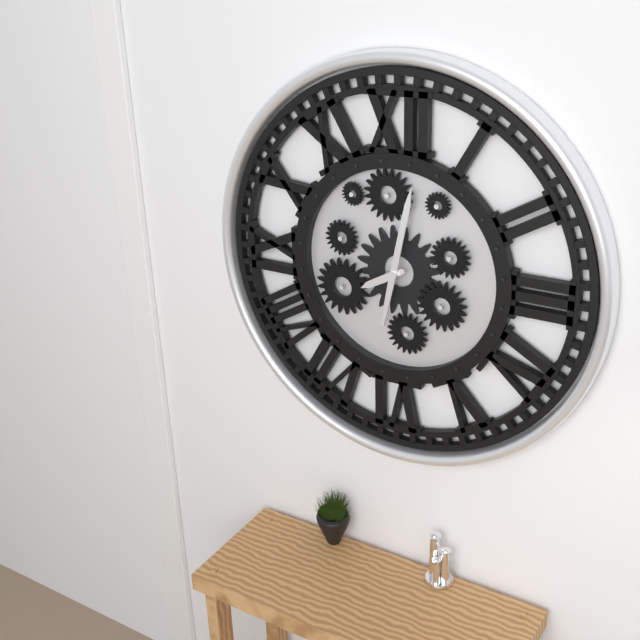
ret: {"hour": 8, "minute": 2}
